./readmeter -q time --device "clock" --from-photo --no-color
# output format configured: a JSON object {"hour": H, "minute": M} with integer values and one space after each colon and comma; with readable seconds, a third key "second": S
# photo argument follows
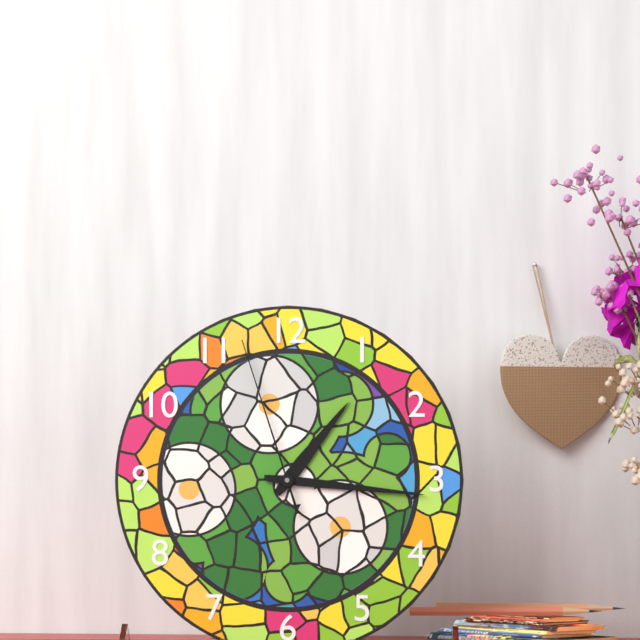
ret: {"hour": 1, "minute": 16, "second": 57}
